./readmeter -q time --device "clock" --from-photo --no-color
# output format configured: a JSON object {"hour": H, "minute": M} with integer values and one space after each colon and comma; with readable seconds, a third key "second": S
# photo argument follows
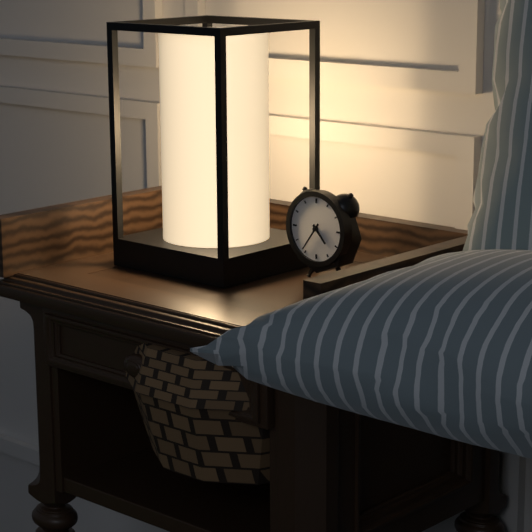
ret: {"hour": 4, "minute": 36}
